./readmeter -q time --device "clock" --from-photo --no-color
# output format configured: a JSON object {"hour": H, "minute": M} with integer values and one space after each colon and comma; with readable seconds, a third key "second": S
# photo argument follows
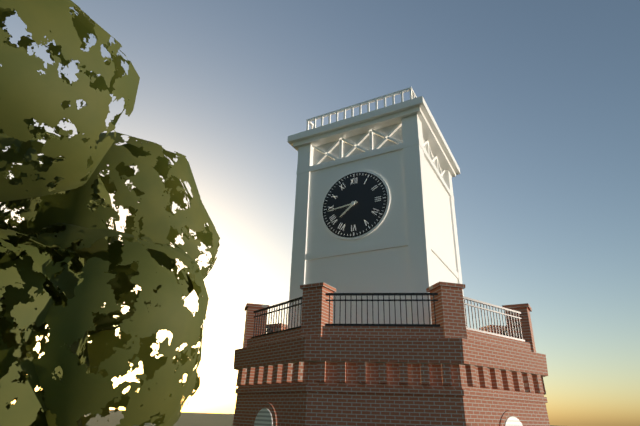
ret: {"hour": 7, "minute": 44}
